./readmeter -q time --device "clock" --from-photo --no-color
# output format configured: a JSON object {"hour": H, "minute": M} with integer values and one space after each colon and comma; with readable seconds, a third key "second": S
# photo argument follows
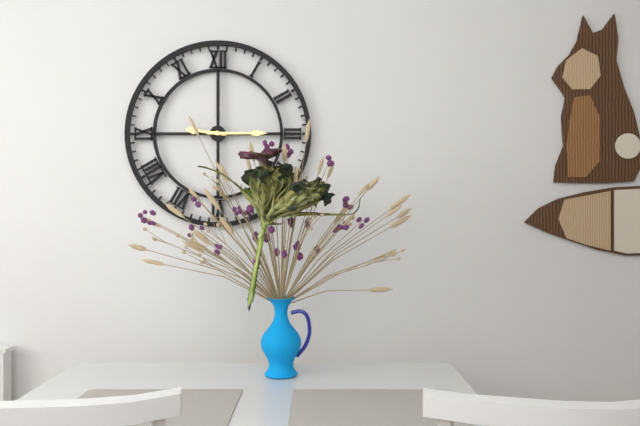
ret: {"hour": 9, "minute": 15}
